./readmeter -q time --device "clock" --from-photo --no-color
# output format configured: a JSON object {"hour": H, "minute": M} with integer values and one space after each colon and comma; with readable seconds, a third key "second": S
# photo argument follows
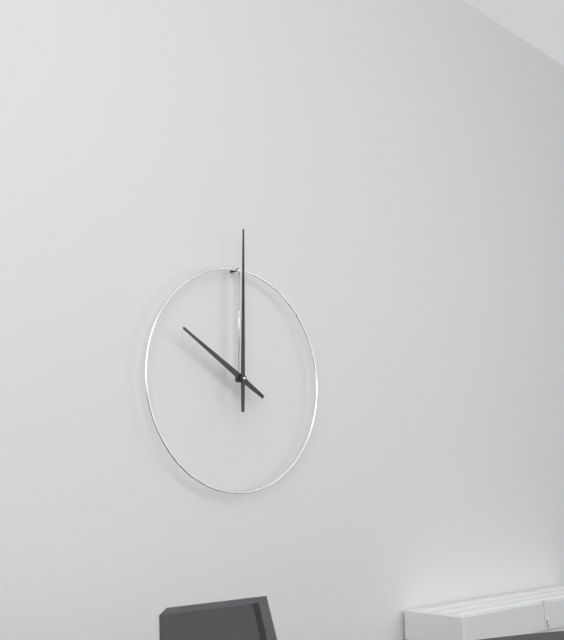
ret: {"hour": 10, "minute": 0}
